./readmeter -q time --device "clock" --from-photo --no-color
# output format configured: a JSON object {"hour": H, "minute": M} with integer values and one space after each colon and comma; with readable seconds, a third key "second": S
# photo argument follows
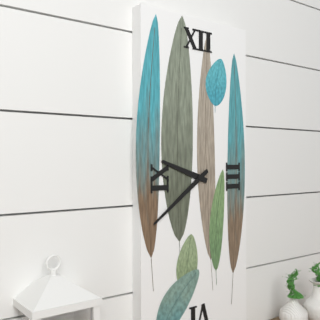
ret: {"hour": 9, "minute": 39}
